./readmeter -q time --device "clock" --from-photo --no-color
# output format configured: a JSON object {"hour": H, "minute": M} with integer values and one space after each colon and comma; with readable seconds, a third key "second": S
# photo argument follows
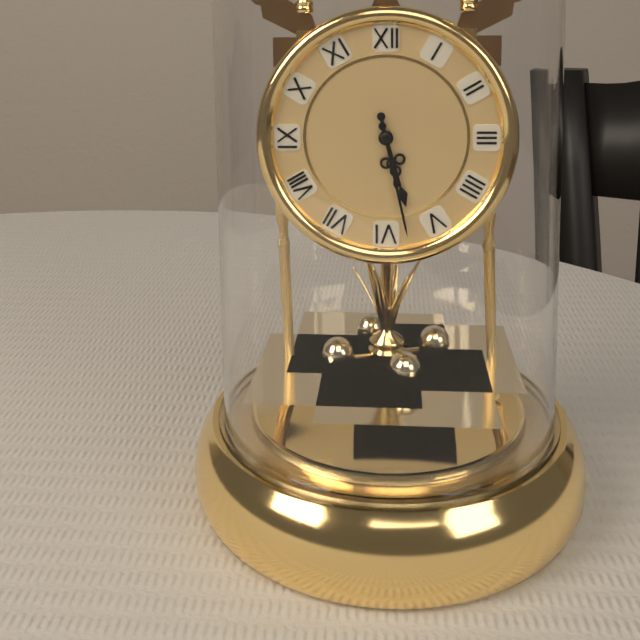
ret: {"hour": 5, "minute": 28}
